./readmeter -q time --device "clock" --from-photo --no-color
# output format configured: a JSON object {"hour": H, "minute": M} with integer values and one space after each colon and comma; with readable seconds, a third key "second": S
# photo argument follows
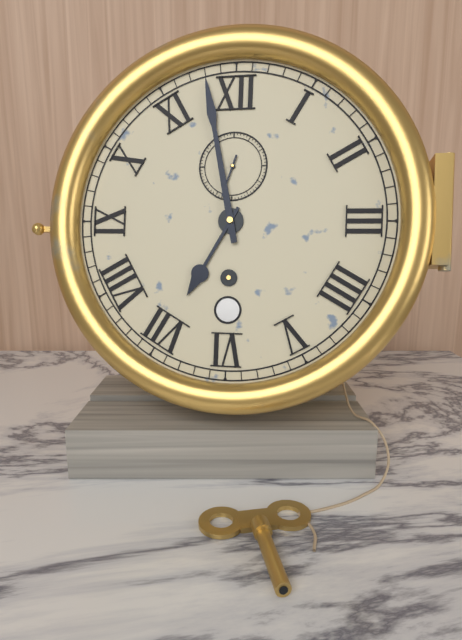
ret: {"hour": 6, "minute": 58}
